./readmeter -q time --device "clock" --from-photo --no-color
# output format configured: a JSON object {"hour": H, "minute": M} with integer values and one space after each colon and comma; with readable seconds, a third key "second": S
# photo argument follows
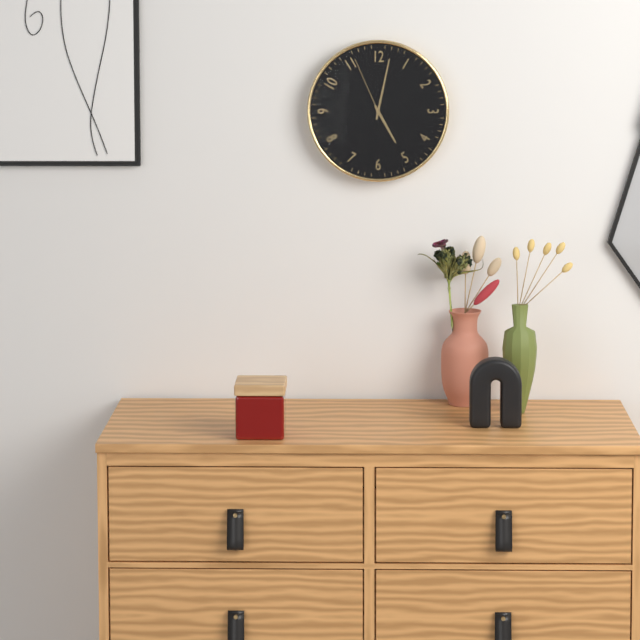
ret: {"hour": 5, "minute": 2, "second": 56}
